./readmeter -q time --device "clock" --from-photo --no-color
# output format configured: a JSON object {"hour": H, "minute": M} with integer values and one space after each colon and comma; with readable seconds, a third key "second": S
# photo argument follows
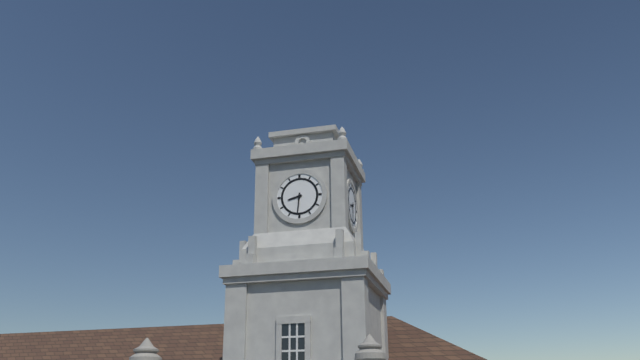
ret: {"hour": 8, "minute": 31}
